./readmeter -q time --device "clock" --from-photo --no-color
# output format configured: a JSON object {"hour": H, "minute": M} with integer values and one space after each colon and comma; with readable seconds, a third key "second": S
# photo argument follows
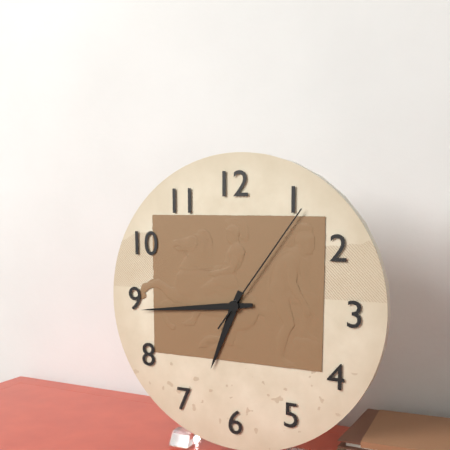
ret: {"hour": 6, "minute": 44, "second": 6}
